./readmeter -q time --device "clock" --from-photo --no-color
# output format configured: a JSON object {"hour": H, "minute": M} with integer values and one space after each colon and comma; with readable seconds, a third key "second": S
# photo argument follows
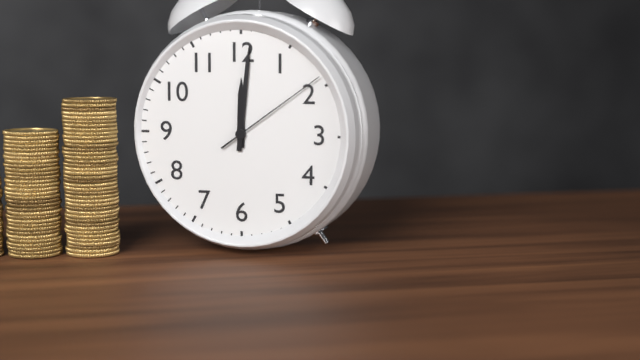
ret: {"hour": 12, "minute": 1, "second": 9}
